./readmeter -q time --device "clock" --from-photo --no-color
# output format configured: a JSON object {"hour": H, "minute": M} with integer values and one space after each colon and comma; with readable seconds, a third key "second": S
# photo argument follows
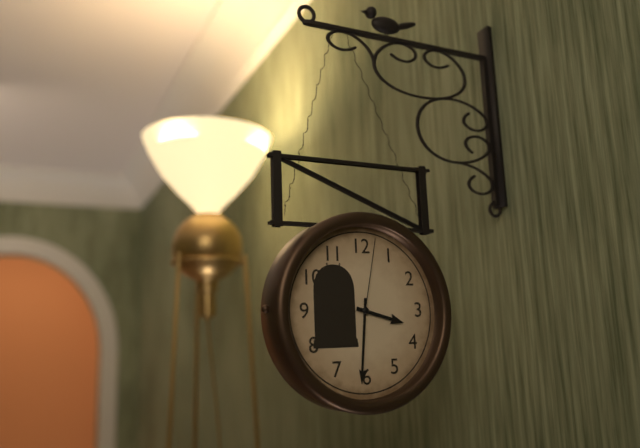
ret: {"hour": 3, "minute": 31, "second": 2}
